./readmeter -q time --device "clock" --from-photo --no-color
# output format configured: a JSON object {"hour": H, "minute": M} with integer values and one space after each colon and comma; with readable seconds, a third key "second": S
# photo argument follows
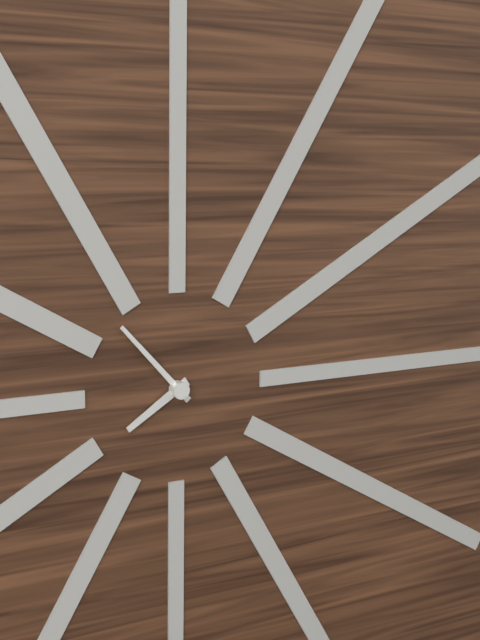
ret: {"hour": 7, "minute": 53}
